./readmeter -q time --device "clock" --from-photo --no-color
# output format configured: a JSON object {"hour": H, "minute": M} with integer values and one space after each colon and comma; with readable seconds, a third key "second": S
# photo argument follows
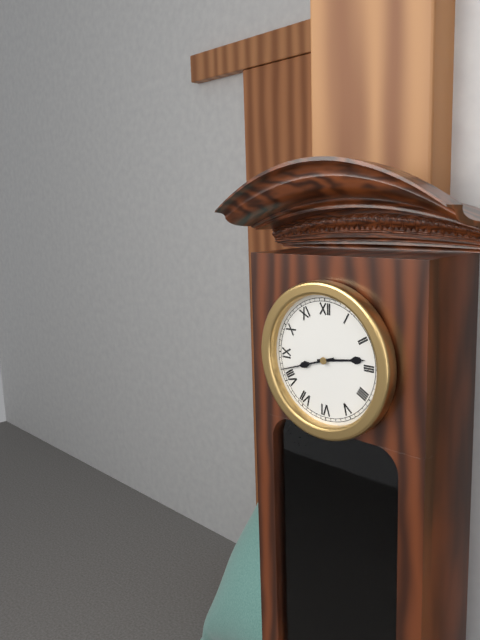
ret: {"hour": 2, "minute": 42}
